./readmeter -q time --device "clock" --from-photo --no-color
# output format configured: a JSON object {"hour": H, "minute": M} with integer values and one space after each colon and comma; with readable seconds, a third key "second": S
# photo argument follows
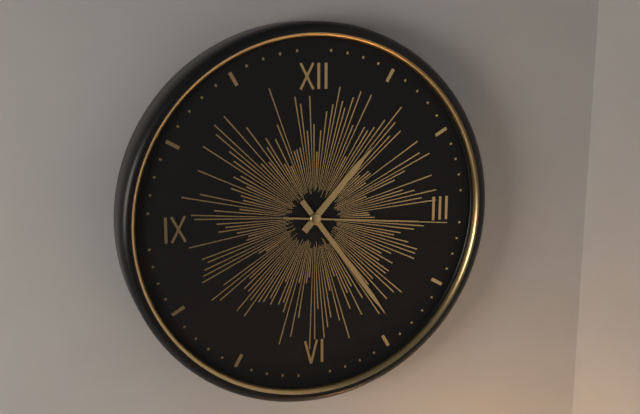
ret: {"hour": 1, "minute": 24, "second": 16}
